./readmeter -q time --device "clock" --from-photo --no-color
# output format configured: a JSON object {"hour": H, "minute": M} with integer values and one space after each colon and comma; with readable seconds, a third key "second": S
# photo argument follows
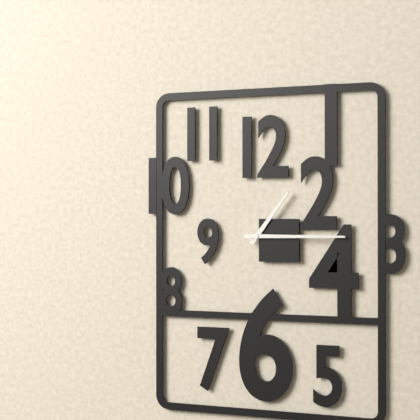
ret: {"hour": 1, "minute": 15}
